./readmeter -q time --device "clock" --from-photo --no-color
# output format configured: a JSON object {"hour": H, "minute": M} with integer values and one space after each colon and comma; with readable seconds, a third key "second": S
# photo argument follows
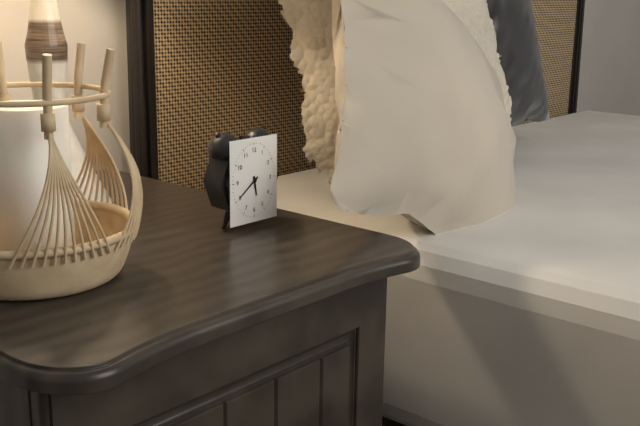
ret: {"hour": 5, "minute": 39}
